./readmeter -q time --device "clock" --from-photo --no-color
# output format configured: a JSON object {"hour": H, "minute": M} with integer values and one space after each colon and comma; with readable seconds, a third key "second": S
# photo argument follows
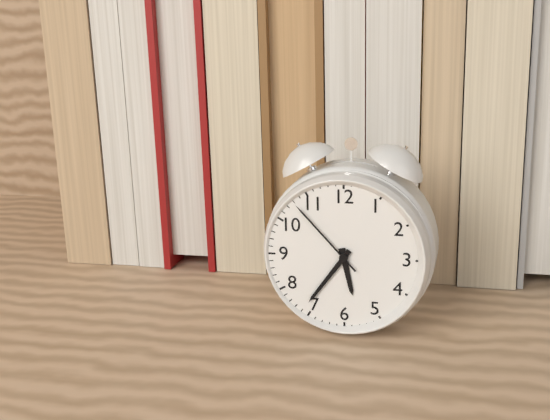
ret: {"hour": 5, "minute": 36, "second": 53}
